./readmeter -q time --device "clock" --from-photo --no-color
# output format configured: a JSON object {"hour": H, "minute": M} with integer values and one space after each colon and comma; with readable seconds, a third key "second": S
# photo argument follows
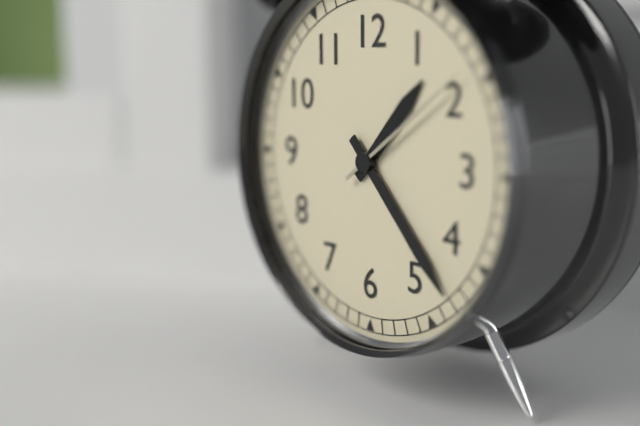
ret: {"hour": 1, "minute": 23, "second": 9}
